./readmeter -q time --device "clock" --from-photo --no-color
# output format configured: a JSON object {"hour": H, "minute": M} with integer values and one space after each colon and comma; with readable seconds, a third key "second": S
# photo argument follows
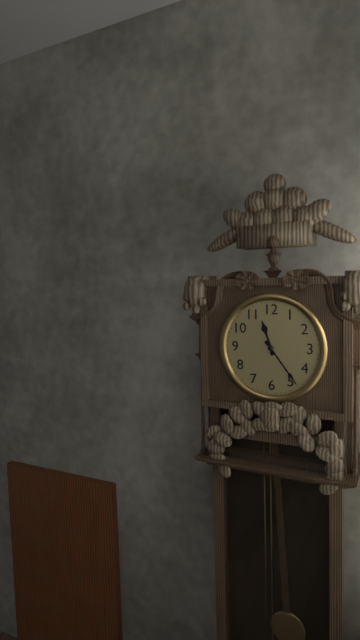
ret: {"hour": 11, "minute": 24}
